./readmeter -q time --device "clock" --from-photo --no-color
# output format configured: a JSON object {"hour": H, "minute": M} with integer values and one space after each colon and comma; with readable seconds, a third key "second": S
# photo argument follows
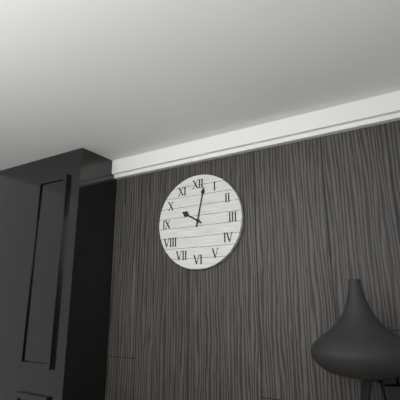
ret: {"hour": 10, "minute": 2}
